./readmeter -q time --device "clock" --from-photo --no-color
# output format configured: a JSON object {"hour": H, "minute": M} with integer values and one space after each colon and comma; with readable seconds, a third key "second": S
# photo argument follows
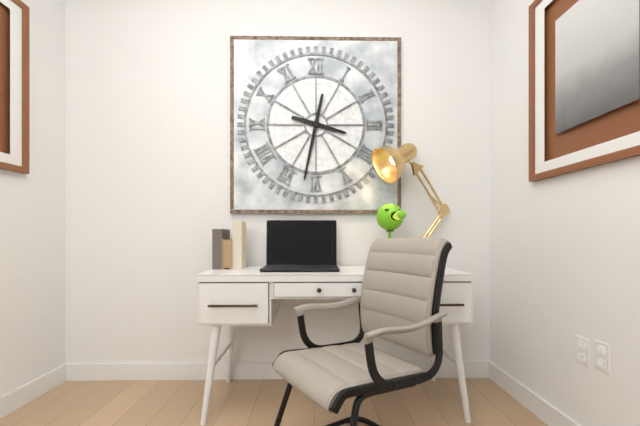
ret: {"hour": 3, "minute": 32}
